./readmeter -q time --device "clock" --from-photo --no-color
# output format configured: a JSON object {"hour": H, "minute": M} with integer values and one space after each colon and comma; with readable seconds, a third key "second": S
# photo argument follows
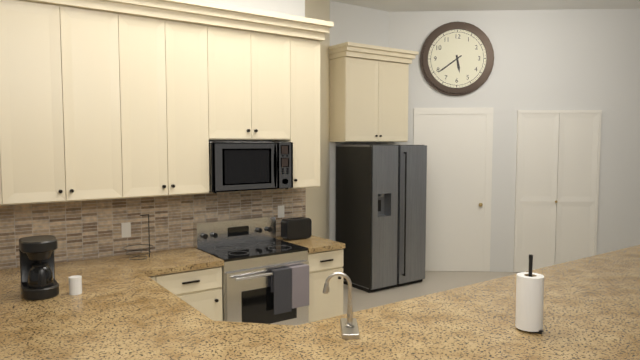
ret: {"hour": 5, "minute": 39}
